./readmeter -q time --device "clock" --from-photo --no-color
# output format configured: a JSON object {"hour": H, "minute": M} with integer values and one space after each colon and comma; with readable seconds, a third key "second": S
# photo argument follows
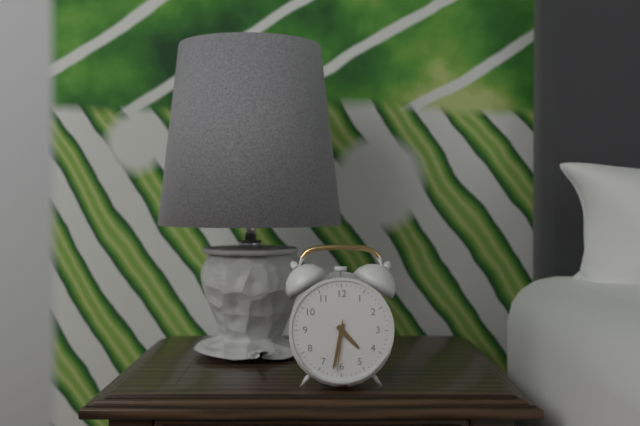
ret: {"hour": 4, "minute": 32, "second": 31}
